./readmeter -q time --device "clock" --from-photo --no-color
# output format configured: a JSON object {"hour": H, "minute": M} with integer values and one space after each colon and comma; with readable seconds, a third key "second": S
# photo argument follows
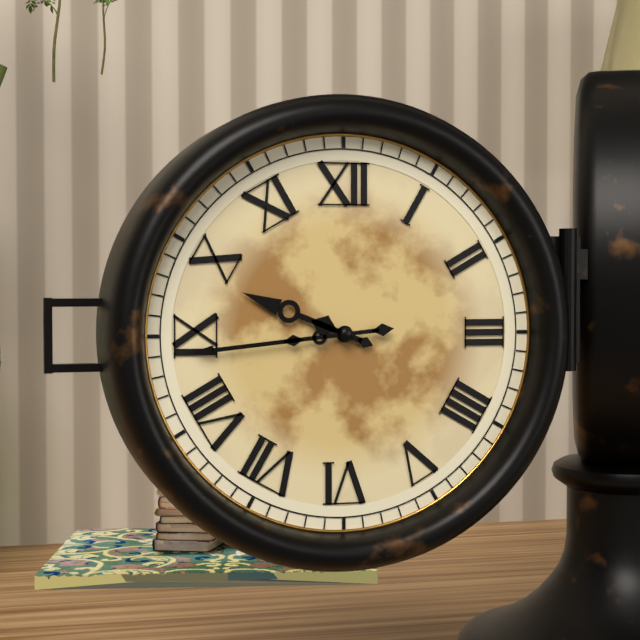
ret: {"hour": 9, "minute": 44}
